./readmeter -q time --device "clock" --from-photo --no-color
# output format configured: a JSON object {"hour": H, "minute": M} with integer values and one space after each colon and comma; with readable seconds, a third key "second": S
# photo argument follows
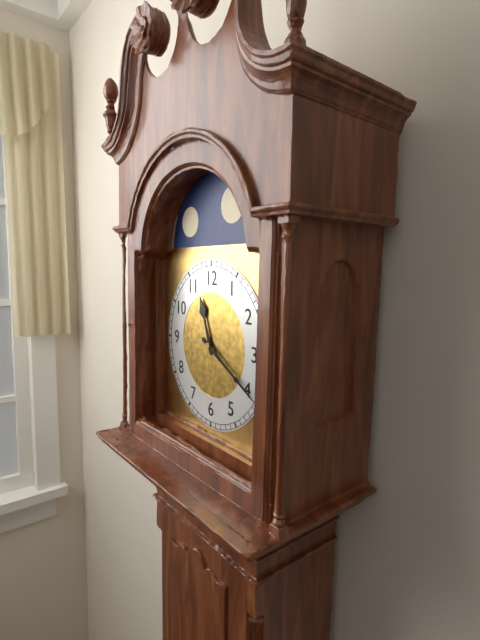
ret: {"hour": 11, "minute": 20}
